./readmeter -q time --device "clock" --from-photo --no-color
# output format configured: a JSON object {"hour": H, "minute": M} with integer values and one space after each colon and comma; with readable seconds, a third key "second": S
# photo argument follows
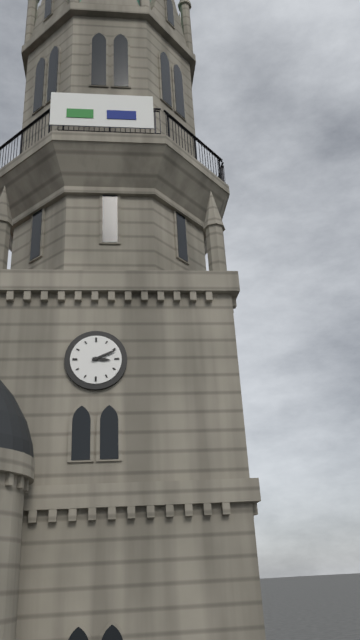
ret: {"hour": 3, "minute": 11}
